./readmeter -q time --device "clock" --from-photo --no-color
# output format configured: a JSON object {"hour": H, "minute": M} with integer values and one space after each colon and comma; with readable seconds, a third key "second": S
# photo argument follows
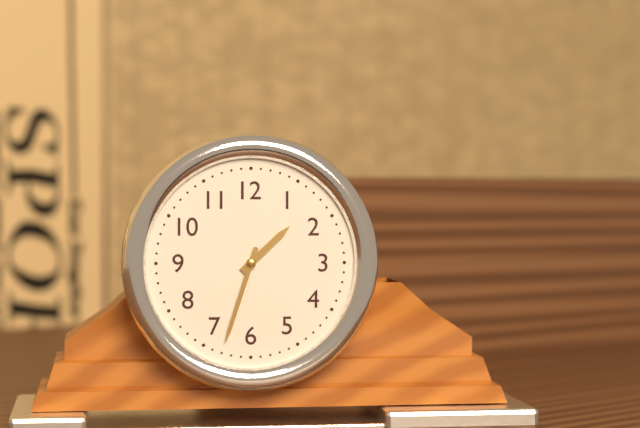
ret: {"hour": 1, "minute": 33}
